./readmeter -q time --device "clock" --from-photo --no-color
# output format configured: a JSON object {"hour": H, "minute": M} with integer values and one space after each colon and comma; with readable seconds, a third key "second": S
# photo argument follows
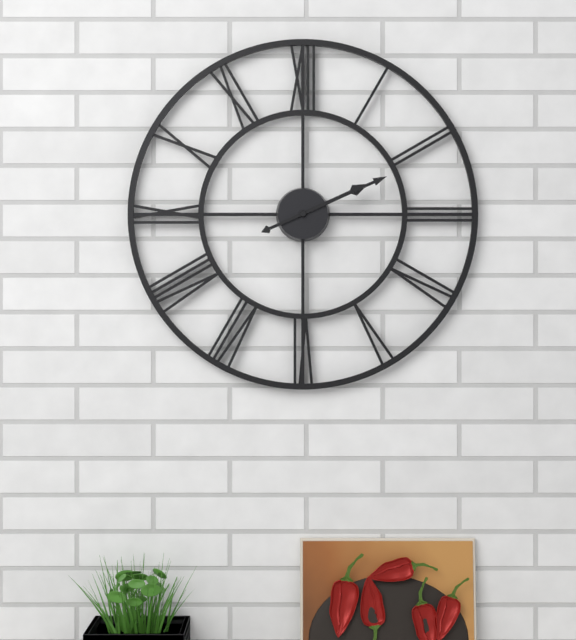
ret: {"hour": 2, "minute": 11}
